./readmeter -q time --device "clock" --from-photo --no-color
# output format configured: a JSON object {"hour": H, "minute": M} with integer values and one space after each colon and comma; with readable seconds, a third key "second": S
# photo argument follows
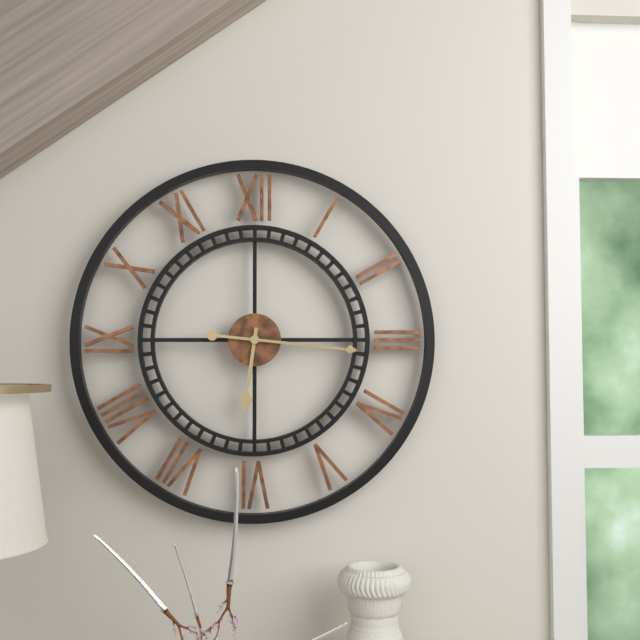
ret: {"hour": 6, "minute": 16}
